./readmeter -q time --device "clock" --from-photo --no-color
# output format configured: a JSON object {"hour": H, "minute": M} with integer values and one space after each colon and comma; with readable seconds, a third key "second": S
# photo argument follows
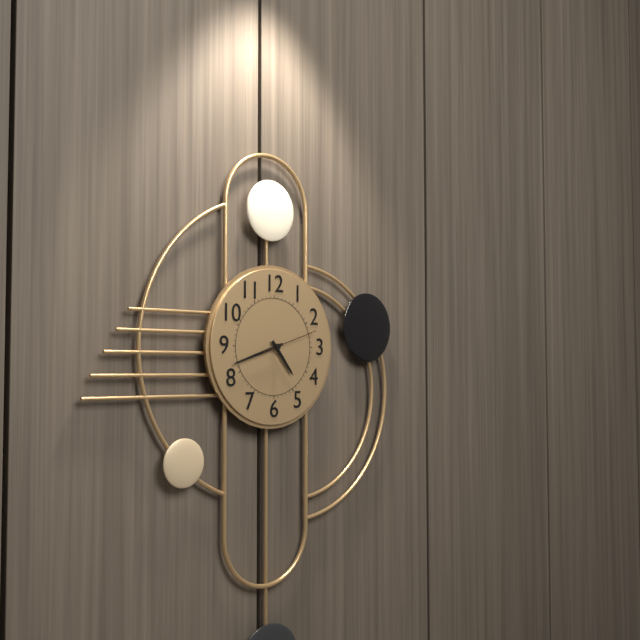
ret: {"hour": 4, "minute": 42, "second": 12}
